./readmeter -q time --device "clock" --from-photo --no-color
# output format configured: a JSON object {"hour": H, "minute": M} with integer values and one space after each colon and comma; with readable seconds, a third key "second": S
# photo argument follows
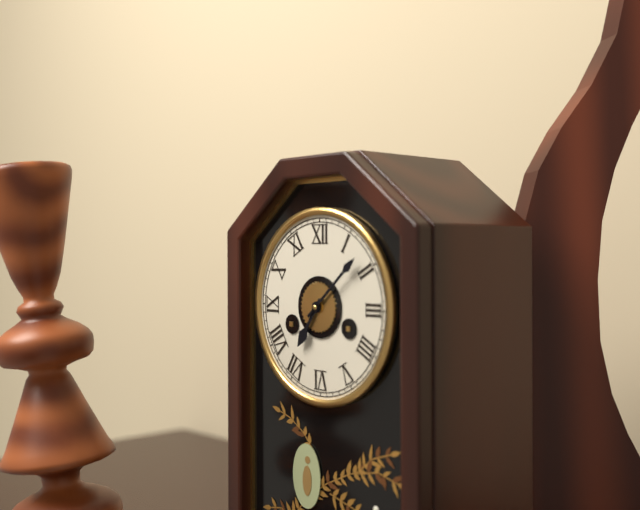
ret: {"hour": 7, "minute": 8}
